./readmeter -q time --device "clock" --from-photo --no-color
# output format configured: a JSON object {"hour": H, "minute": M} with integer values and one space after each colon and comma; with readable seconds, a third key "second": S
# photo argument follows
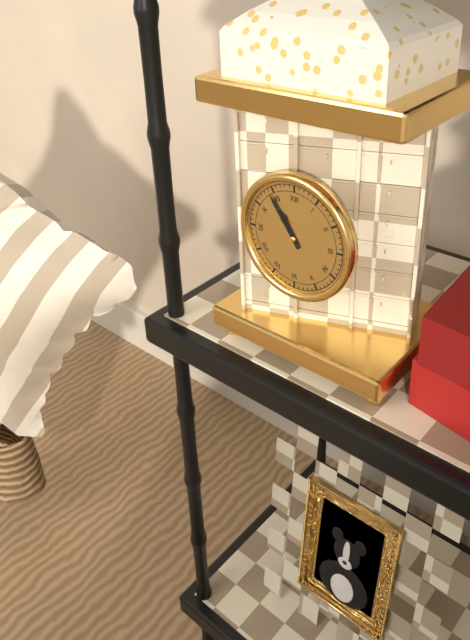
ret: {"hour": 10, "minute": 54}
